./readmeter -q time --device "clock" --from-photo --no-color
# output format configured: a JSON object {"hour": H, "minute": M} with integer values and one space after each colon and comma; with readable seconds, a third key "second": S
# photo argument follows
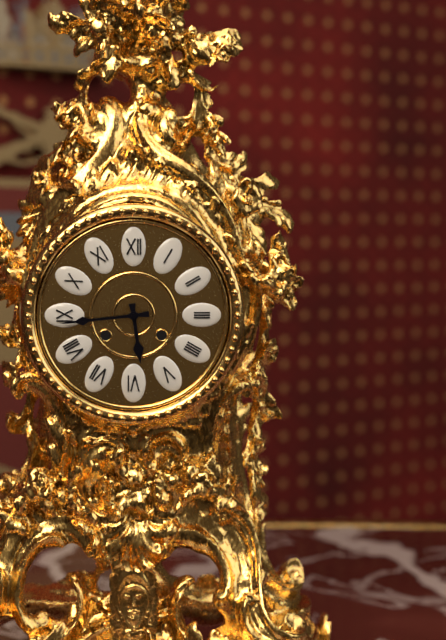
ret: {"hour": 5, "minute": 44}
